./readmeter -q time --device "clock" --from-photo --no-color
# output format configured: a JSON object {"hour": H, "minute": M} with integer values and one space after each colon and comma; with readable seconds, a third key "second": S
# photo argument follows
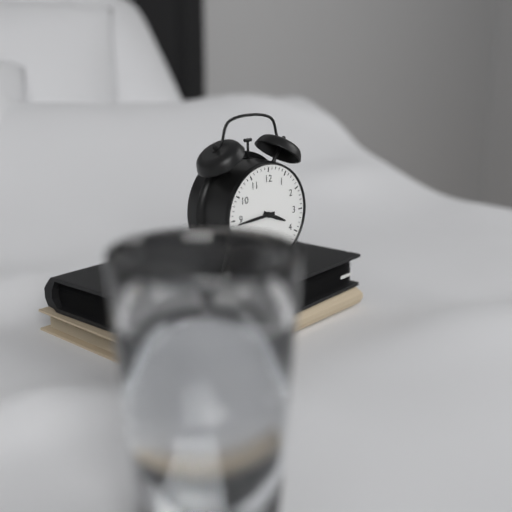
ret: {"hour": 3, "minute": 44}
